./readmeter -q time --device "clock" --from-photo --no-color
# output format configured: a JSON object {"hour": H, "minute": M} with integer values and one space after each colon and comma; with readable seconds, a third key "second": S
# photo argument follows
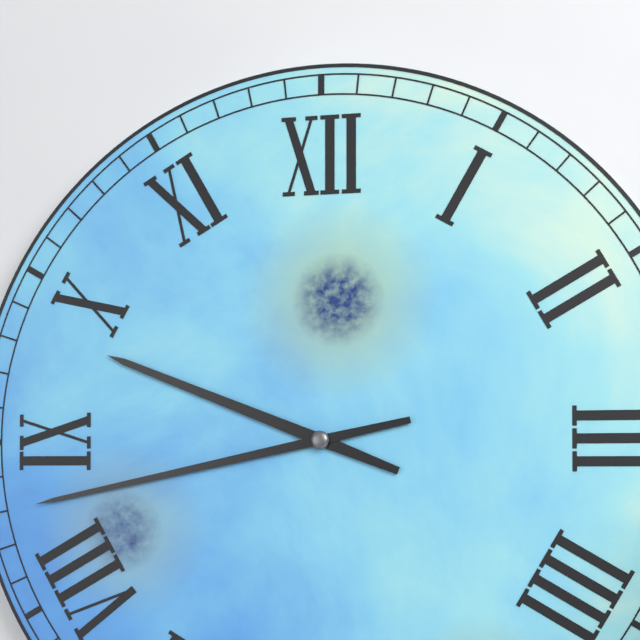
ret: {"hour": 9, "minute": 43}
